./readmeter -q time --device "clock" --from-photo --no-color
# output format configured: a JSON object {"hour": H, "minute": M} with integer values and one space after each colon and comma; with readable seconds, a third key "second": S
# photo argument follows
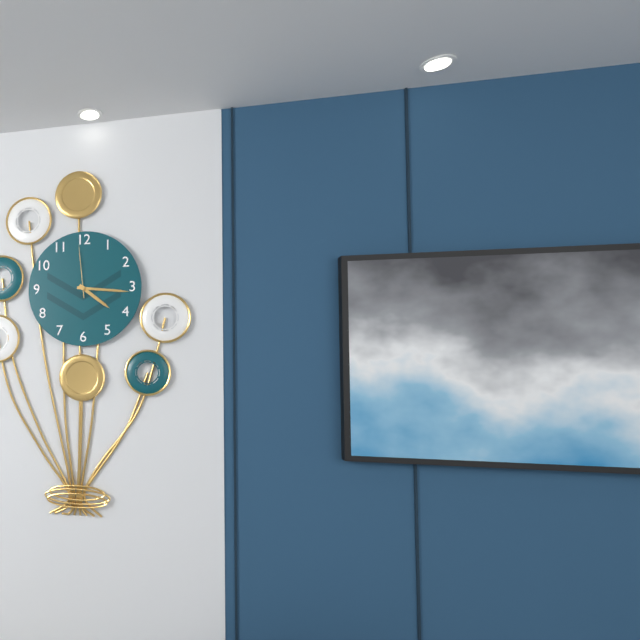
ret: {"hour": 4, "minute": 16, "second": 59}
